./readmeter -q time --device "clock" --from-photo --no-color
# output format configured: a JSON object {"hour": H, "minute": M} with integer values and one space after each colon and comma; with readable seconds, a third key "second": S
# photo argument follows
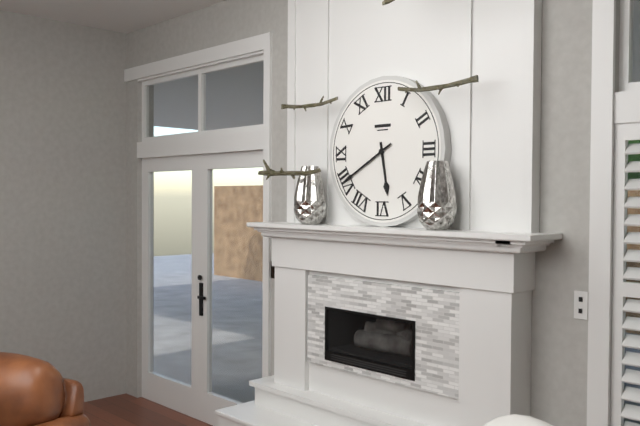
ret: {"hour": 5, "minute": 40}
